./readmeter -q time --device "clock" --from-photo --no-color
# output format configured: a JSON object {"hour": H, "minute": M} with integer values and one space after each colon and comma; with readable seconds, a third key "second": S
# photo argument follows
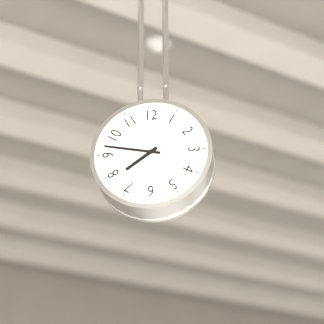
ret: {"hour": 7, "minute": 47}
